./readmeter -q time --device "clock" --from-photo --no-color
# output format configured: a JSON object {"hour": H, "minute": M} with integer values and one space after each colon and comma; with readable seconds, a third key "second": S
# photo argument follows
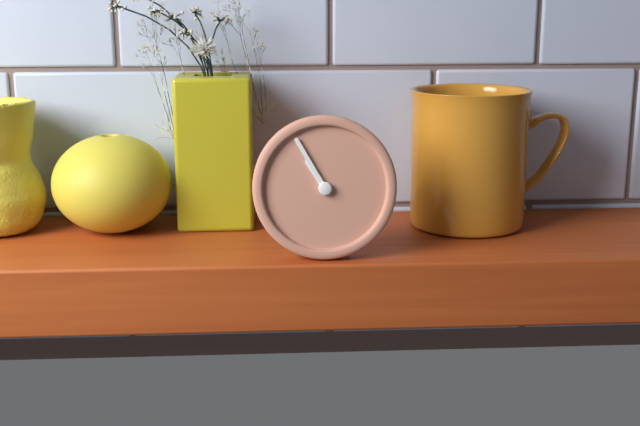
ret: {"hour": 10, "minute": 55}
